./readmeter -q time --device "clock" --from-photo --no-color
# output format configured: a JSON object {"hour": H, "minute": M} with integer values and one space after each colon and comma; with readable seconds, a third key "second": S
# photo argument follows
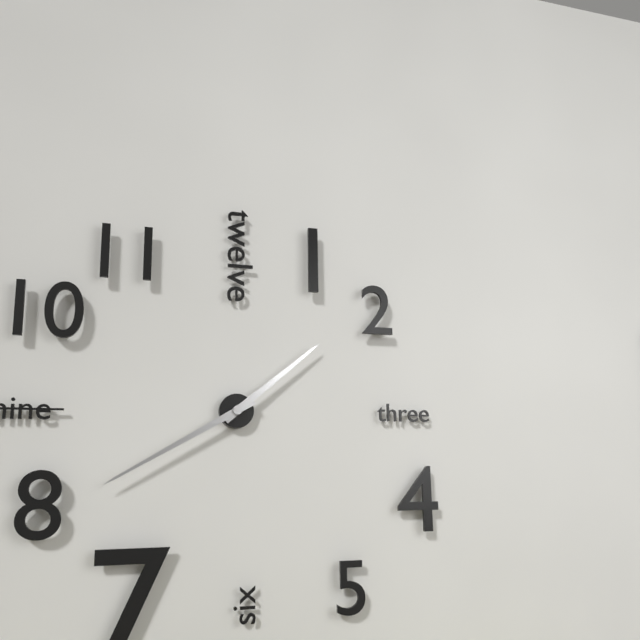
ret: {"hour": 1, "minute": 40}
